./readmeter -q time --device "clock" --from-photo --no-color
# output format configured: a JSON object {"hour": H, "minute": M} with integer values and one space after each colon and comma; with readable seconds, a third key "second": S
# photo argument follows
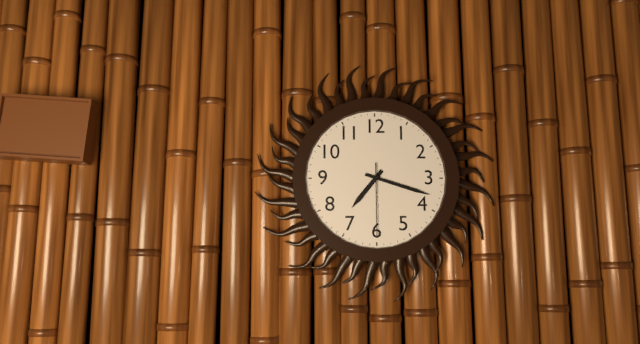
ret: {"hour": 7, "minute": 18, "second": 30}
